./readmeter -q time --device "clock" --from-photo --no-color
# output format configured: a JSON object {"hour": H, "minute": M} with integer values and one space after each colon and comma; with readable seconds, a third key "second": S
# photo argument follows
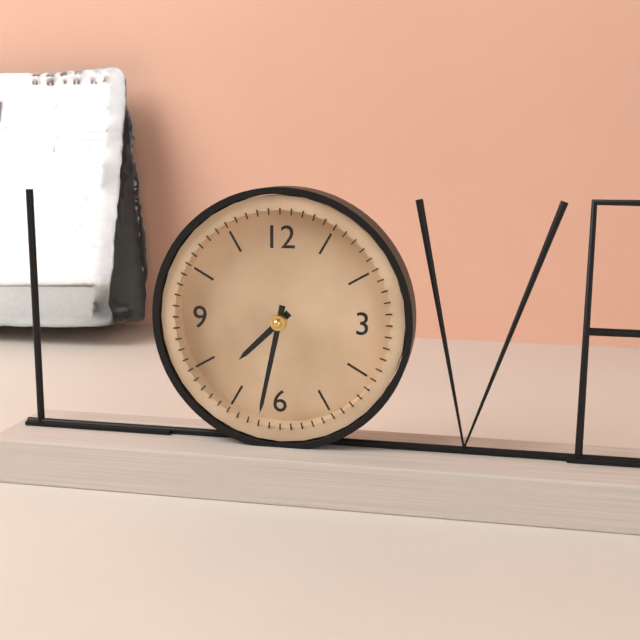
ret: {"hour": 7, "minute": 32}
